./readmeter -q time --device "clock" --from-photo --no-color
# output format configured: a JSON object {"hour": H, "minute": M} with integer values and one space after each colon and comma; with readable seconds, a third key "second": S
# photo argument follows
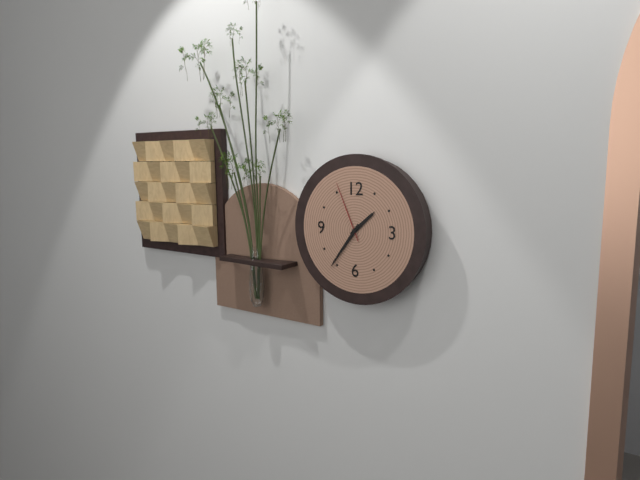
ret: {"hour": 1, "minute": 36, "second": 56}
